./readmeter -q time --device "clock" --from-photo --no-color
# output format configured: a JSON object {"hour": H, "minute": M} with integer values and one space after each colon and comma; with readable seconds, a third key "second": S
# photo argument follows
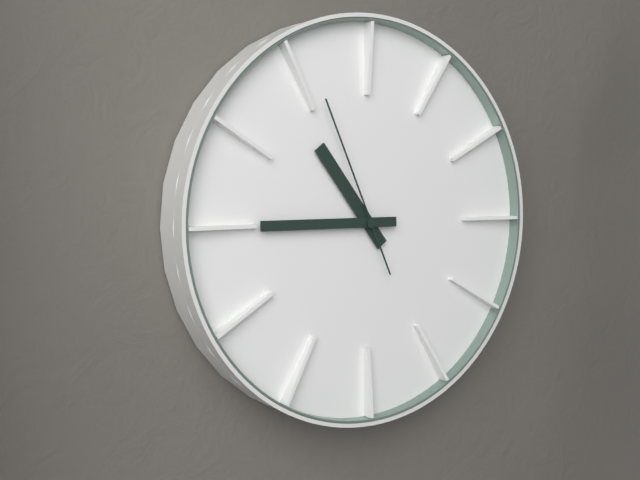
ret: {"hour": 10, "minute": 45, "second": 56}
